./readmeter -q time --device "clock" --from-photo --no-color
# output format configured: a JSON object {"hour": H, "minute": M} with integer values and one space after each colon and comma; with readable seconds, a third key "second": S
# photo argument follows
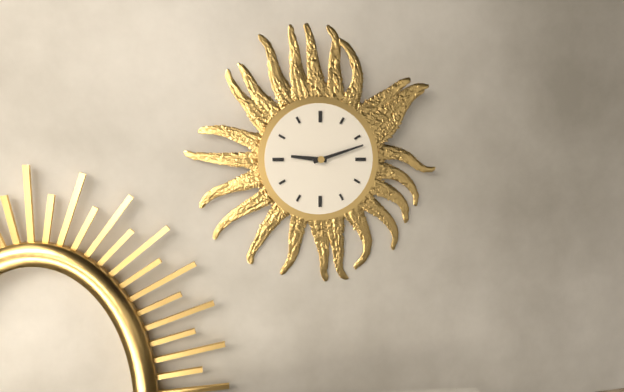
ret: {"hour": 9, "minute": 12}
